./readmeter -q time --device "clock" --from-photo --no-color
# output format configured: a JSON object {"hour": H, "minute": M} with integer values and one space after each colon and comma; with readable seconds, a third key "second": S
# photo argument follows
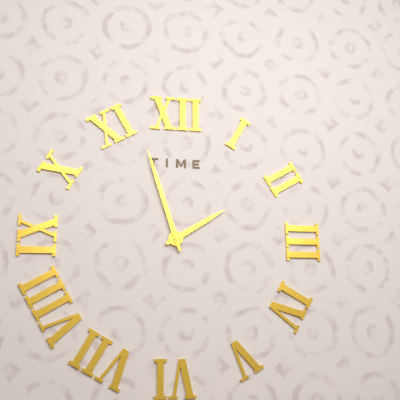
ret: {"hour": 1, "minute": 57}
